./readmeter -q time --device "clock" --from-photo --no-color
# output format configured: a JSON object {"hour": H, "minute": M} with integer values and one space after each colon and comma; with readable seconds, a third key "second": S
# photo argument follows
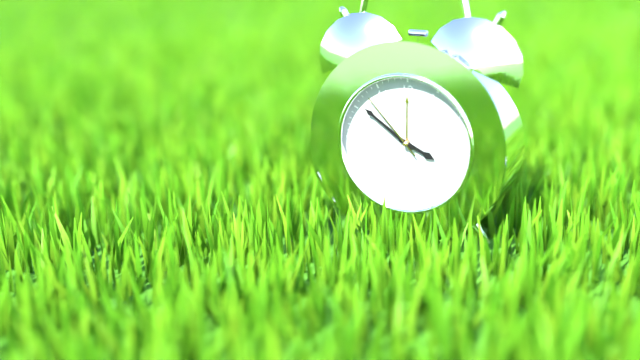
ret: {"hour": 3, "minute": 51, "second": 53}
